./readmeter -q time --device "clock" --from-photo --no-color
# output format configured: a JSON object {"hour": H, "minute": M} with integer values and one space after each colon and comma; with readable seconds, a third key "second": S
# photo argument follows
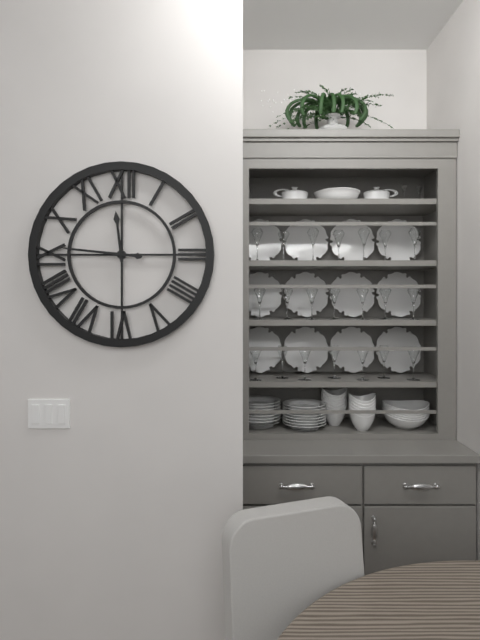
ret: {"hour": 11, "minute": 46}
